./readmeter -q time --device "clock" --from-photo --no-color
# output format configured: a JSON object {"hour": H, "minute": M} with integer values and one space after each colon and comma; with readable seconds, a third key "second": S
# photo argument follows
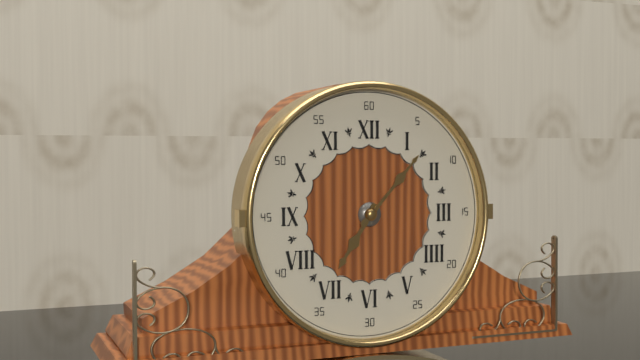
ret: {"hour": 7, "minute": 7}
